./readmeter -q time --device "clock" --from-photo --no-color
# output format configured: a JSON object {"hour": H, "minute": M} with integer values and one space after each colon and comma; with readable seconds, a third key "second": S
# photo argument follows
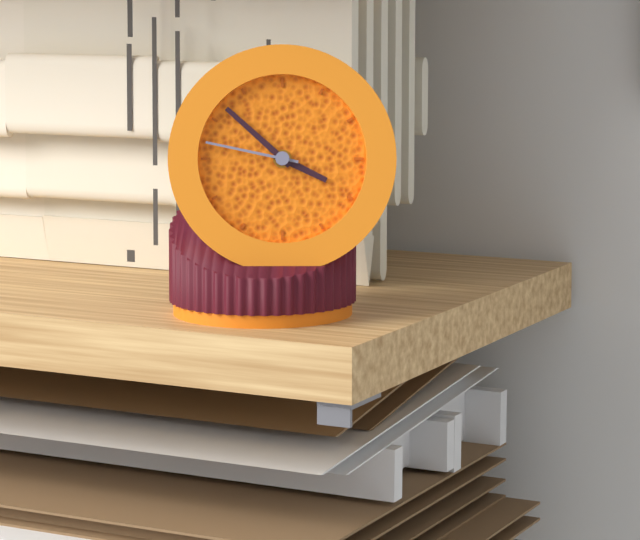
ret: {"hour": 3, "minute": 52, "second": 47}
